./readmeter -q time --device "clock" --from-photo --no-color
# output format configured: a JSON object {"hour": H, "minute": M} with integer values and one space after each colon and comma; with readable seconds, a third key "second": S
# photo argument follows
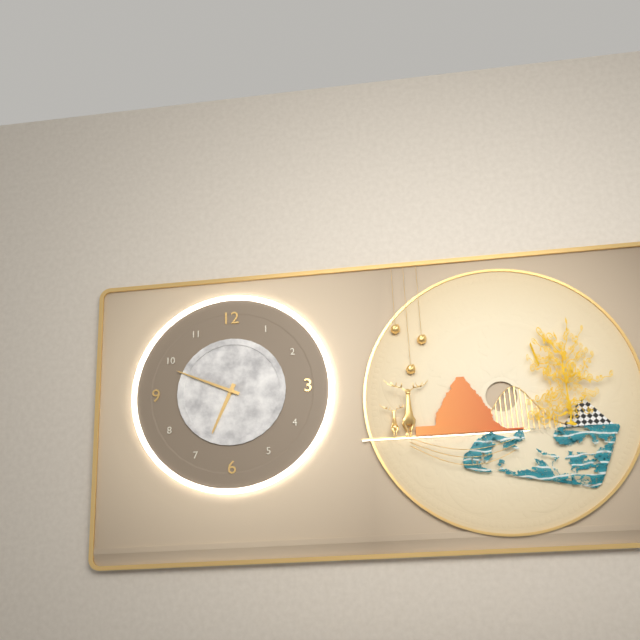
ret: {"hour": 6, "minute": 49}
